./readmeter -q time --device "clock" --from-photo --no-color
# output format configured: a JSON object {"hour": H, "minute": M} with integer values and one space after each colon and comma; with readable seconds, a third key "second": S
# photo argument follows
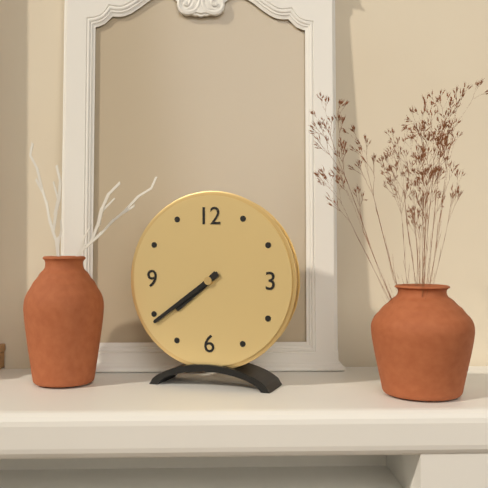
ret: {"hour": 7, "minute": 39}
